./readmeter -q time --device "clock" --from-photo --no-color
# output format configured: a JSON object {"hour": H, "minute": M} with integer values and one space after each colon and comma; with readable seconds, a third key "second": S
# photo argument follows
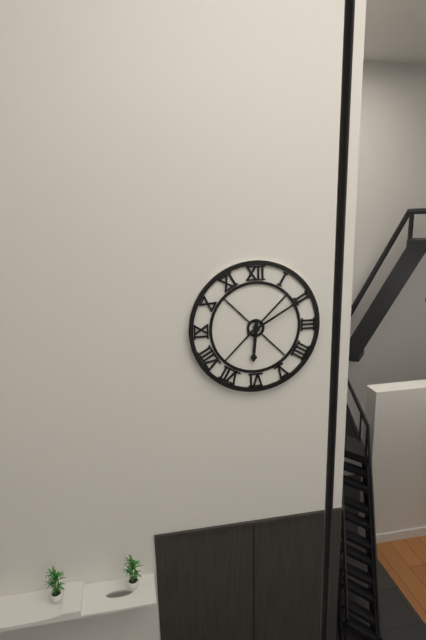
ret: {"hour": 6, "minute": 10}
